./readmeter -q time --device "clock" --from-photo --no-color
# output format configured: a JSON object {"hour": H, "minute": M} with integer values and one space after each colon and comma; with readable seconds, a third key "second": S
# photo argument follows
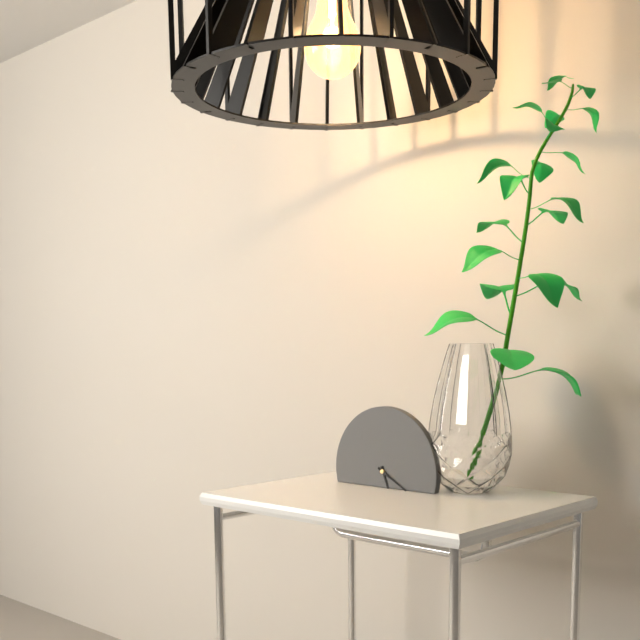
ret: {"hour": 5, "minute": 20}
